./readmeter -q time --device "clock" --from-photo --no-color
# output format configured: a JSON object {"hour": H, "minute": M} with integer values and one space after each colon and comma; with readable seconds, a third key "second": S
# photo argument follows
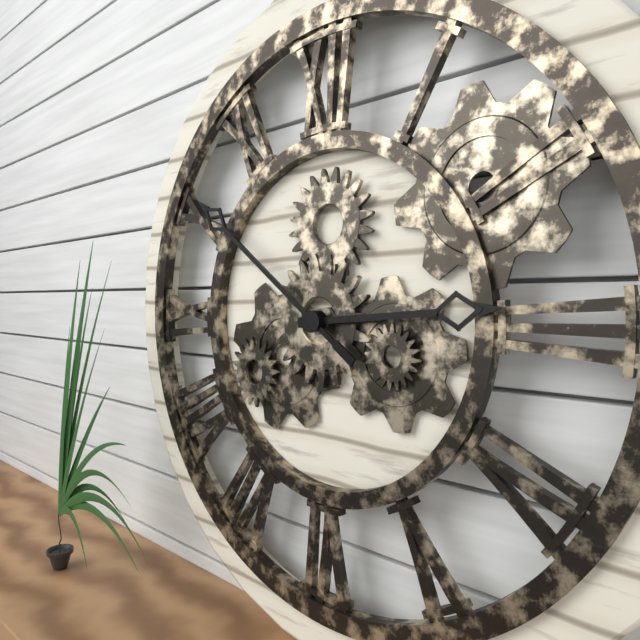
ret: {"hour": 2, "minute": 51}
